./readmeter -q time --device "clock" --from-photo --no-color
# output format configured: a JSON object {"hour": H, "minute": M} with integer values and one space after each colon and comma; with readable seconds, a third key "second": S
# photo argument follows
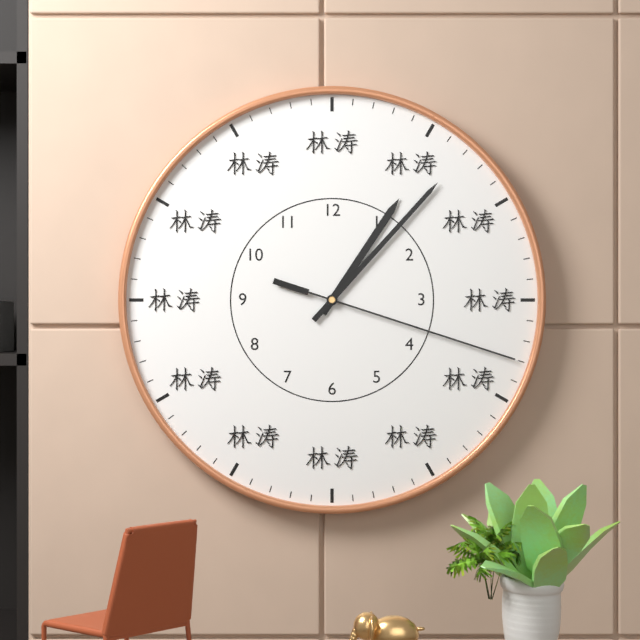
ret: {"hour": 1, "minute": 7, "second": 18}
